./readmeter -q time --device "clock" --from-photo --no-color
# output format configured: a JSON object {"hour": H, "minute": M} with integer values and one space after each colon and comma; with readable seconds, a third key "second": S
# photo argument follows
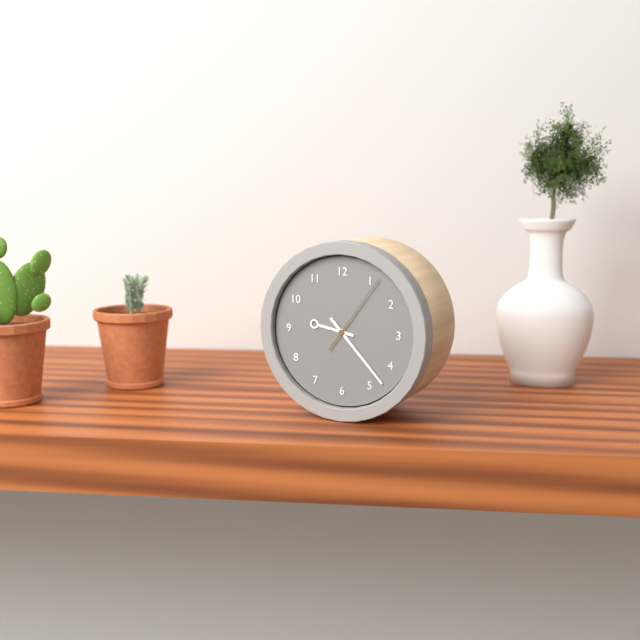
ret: {"hour": 9, "minute": 23, "second": 6}
